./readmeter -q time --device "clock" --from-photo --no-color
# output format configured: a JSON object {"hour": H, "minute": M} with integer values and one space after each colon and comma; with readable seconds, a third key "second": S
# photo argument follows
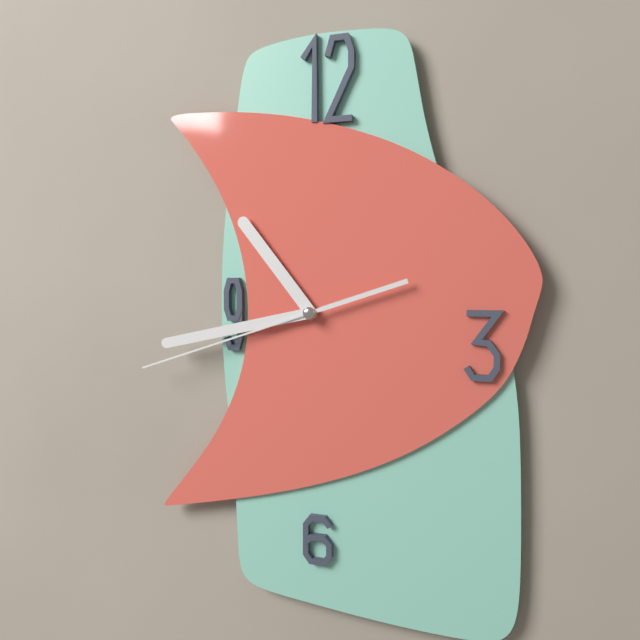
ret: {"hour": 10, "minute": 43, "second": 42}
